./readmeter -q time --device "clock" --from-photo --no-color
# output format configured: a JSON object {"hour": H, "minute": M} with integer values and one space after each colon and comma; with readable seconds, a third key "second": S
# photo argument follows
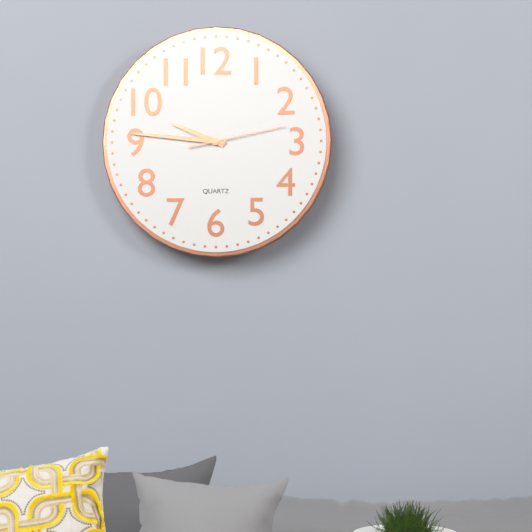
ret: {"hour": 9, "minute": 46, "second": 13}
